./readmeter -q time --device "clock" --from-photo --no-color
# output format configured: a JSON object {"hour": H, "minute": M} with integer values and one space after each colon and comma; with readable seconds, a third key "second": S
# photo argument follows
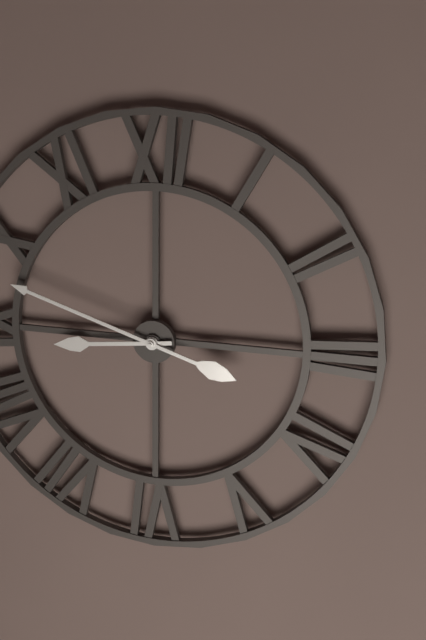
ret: {"hour": 8, "minute": 48}
